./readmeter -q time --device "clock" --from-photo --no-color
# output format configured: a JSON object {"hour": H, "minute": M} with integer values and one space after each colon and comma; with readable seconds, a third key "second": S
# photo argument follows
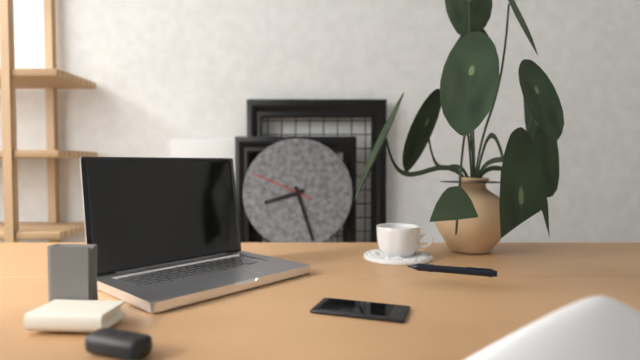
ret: {"hour": 8, "minute": 27, "second": 49}
